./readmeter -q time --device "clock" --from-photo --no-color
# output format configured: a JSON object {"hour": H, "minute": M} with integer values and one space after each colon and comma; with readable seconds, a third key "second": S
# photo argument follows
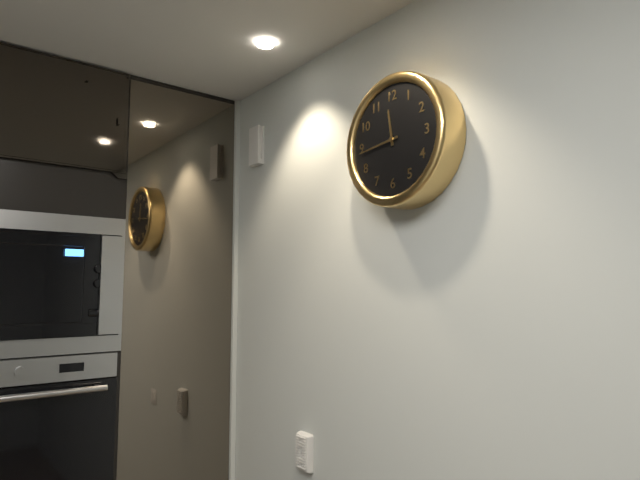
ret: {"hour": 11, "minute": 44}
